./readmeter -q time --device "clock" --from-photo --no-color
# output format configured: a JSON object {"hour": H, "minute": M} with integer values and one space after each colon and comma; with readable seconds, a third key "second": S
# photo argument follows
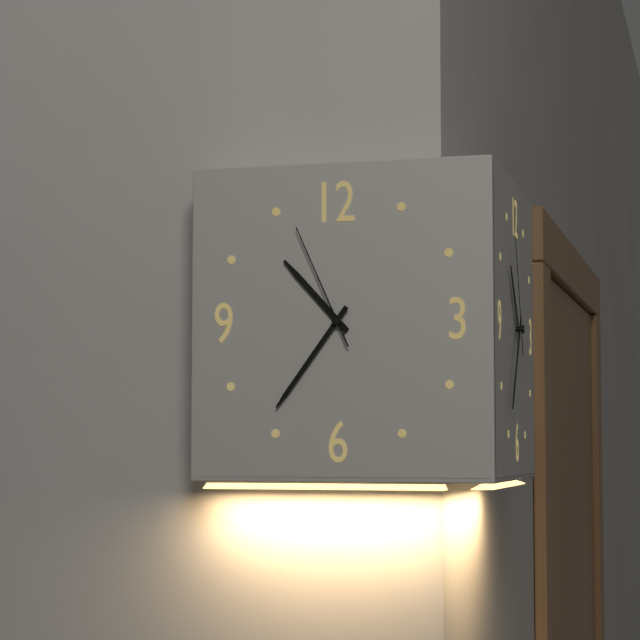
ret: {"hour": 10, "minute": 36, "second": 56}
